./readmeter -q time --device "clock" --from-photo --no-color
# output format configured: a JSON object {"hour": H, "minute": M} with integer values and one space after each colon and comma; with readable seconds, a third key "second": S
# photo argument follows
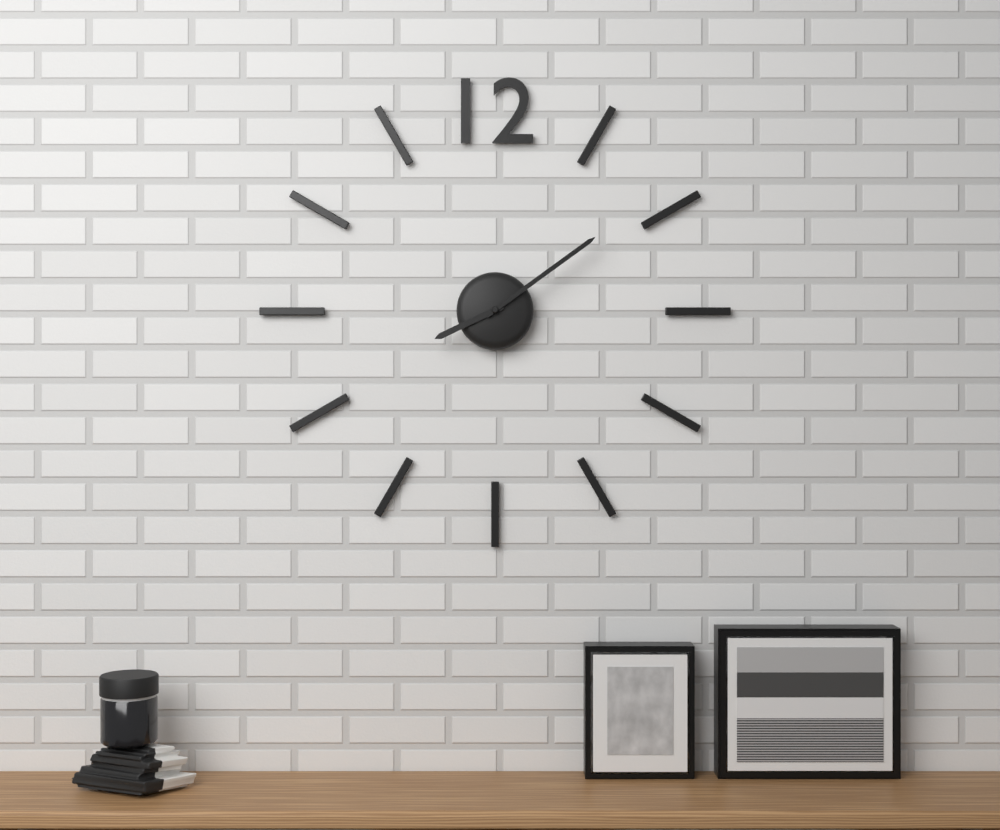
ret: {"hour": 8, "minute": 9}
